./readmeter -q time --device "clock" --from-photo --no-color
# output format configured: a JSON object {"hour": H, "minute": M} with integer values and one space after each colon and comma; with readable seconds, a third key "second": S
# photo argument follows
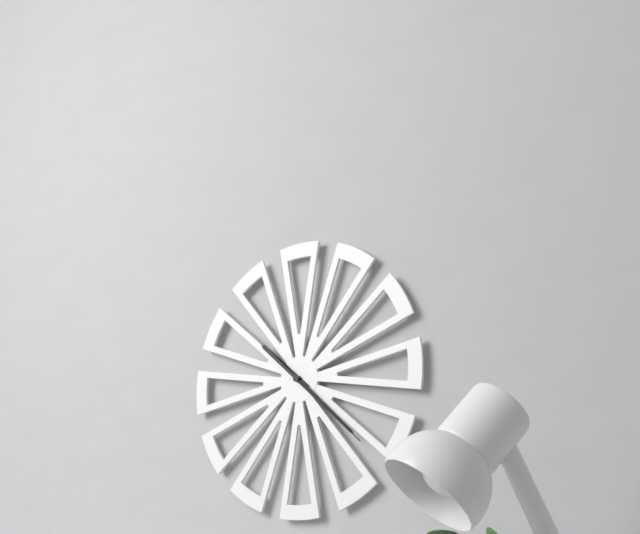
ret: {"hour": 10, "minute": 22, "second": 22}
